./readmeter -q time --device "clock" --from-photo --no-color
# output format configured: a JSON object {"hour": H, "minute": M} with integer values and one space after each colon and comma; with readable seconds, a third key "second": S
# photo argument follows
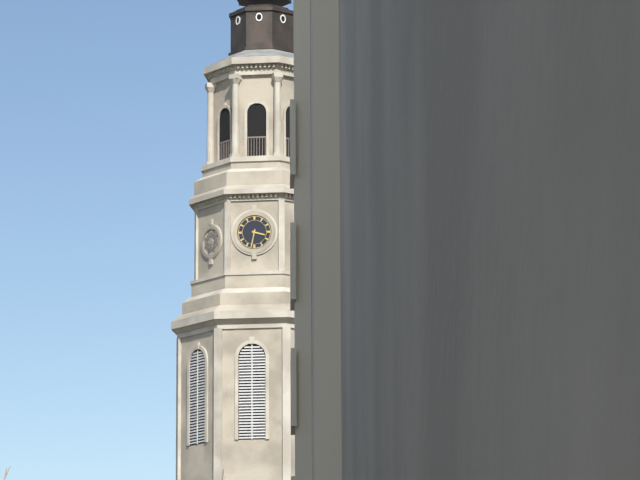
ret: {"hour": 3, "minute": 32}
